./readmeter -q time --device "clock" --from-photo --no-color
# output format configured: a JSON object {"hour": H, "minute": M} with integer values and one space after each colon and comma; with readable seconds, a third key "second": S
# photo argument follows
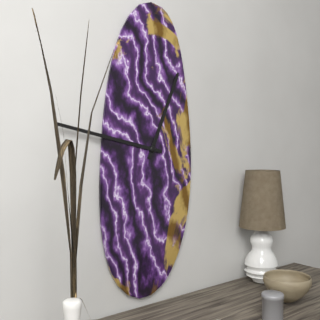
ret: {"hour": 12, "minute": 47}
